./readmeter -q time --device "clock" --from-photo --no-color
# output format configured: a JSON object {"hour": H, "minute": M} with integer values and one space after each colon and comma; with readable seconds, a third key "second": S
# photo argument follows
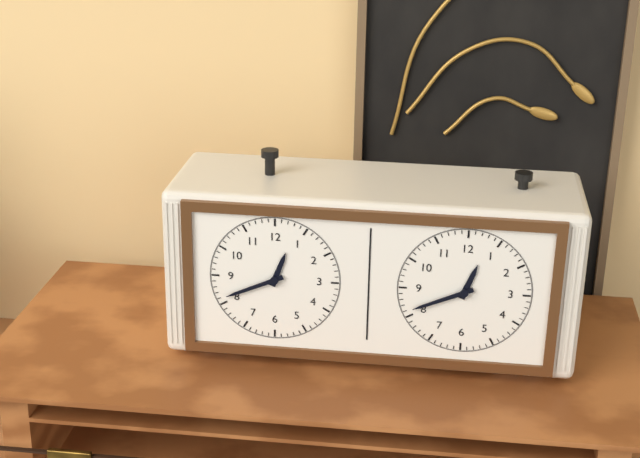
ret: {"hour": 12, "minute": 41}
